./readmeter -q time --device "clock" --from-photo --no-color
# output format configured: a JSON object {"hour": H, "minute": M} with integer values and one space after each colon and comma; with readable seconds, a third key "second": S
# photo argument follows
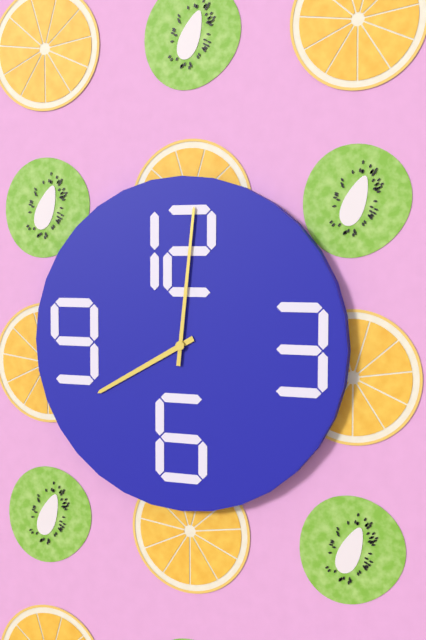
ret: {"hour": 8, "minute": 1}
